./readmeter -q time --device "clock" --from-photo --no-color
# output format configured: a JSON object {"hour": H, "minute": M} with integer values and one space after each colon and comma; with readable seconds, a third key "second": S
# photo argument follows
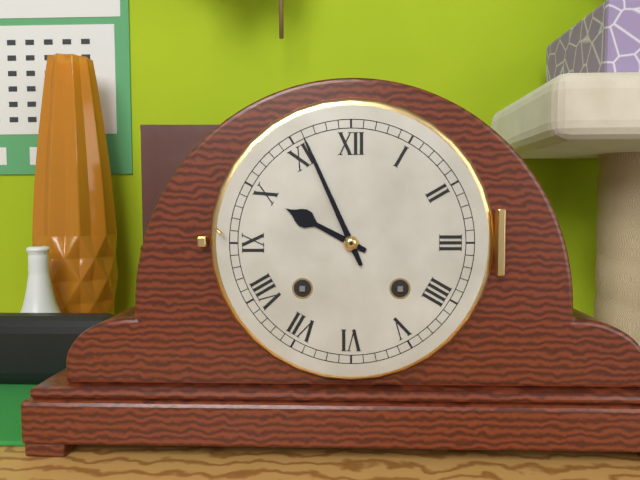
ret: {"hour": 9, "minute": 56}
